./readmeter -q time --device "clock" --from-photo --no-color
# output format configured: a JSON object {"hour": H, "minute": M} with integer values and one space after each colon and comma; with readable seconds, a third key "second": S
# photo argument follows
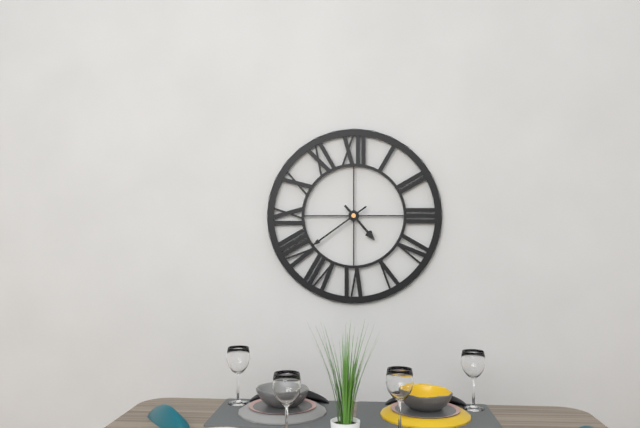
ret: {"hour": 4, "minute": 39}
